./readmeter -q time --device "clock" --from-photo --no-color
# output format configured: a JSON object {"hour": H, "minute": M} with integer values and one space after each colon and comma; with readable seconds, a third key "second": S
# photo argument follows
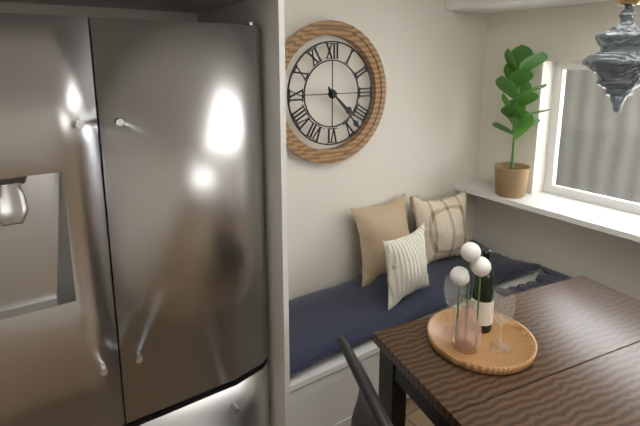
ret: {"hour": 4, "minute": 23}
